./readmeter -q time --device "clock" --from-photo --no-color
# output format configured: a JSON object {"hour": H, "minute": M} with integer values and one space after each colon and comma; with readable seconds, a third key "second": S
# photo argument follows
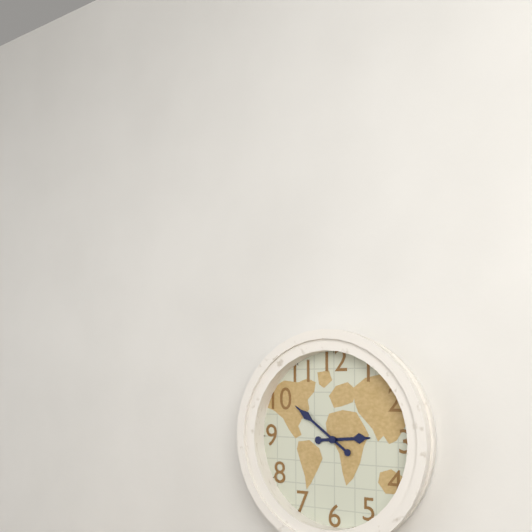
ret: {"hour": 2, "minute": 51}
